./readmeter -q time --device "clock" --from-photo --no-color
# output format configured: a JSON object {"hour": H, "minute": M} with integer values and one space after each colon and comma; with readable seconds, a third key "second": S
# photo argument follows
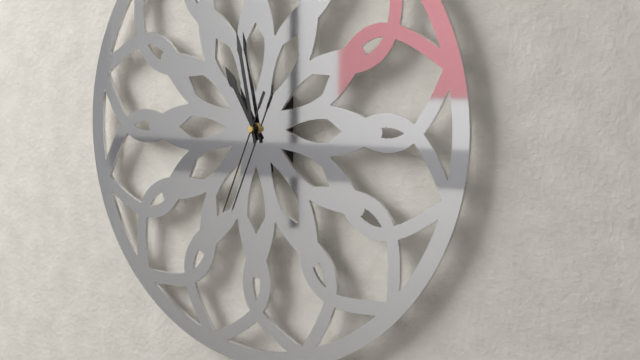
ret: {"hour": 10, "minute": 58, "second": 34}
